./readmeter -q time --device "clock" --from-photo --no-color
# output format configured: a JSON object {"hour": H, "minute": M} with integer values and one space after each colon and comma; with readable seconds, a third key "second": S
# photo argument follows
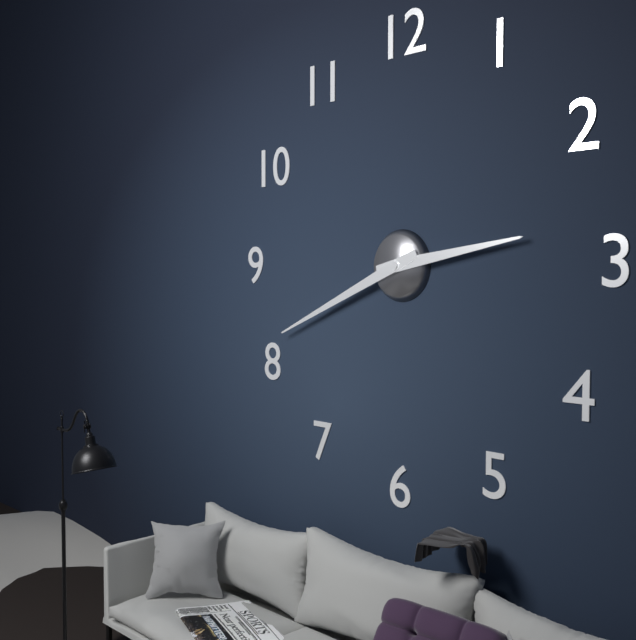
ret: {"hour": 2, "minute": 41}
